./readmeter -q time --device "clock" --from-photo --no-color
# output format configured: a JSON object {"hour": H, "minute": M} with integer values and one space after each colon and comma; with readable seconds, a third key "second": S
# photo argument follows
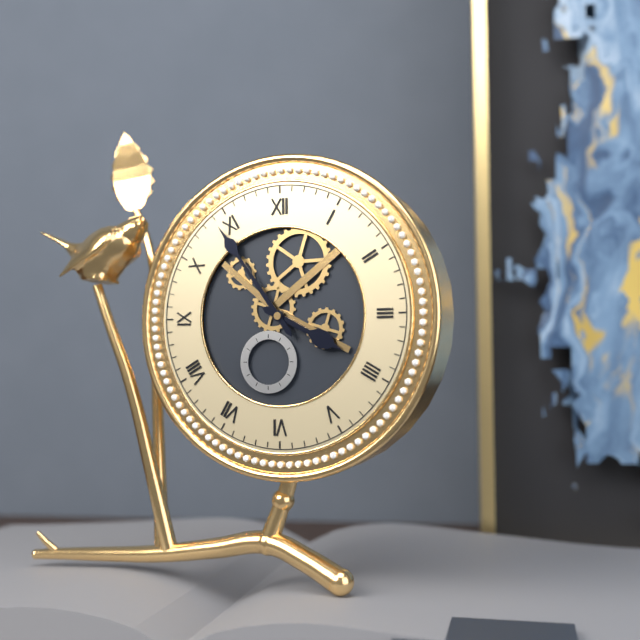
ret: {"hour": 3, "minute": 54}
